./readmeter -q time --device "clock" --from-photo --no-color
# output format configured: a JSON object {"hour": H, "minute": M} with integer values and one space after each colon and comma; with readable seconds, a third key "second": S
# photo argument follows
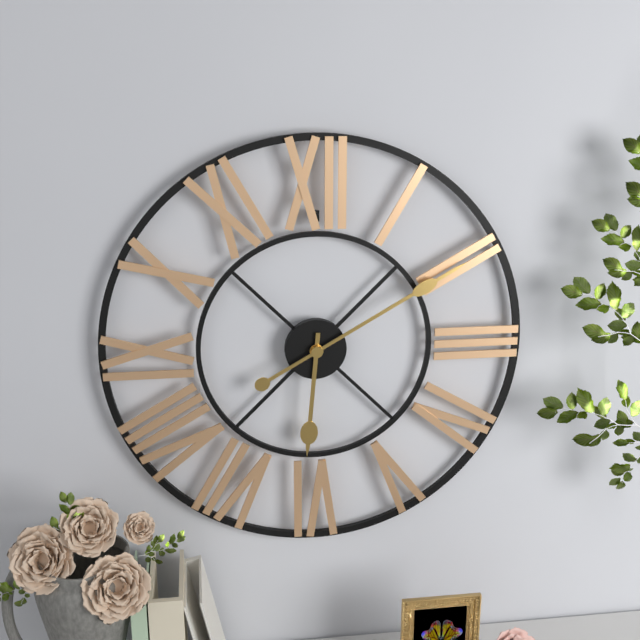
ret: {"hour": 6, "minute": 10}
